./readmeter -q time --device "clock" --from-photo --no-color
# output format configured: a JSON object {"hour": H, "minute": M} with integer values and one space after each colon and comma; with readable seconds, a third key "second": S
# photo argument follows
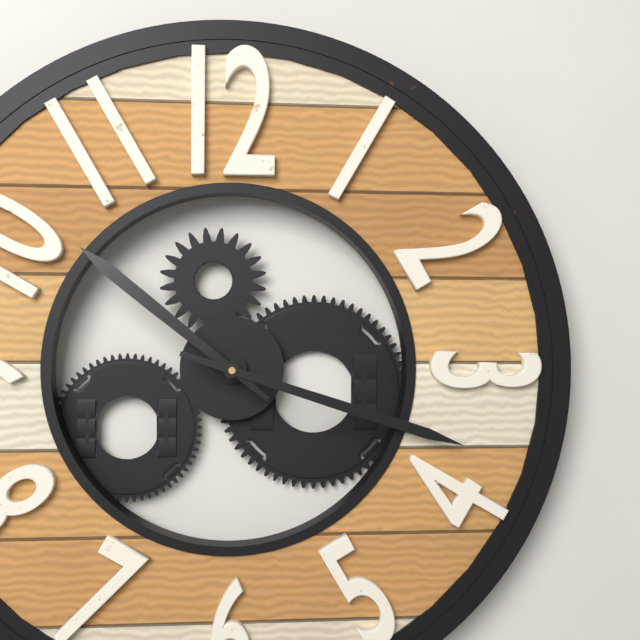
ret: {"hour": 10, "minute": 18}
